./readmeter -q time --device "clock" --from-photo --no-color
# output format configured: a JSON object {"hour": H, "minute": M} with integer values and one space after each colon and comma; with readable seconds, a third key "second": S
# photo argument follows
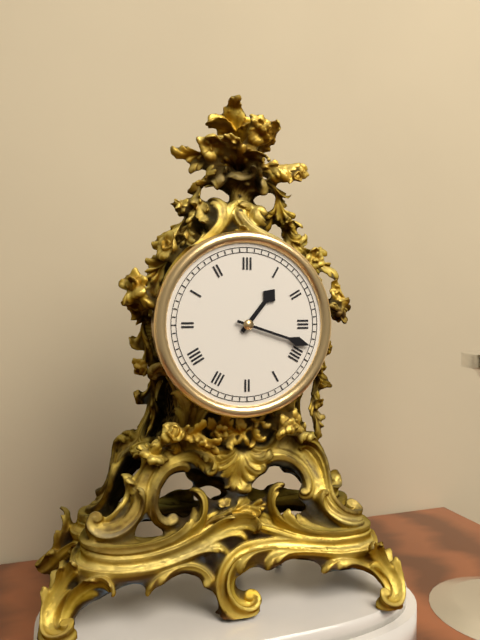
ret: {"hour": 1, "minute": 18}
